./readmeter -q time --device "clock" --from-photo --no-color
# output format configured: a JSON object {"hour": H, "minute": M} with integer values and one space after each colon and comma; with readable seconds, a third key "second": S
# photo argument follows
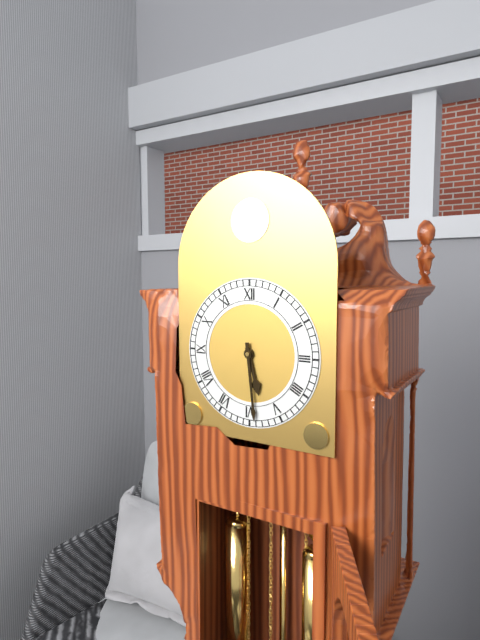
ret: {"hour": 5, "minute": 29}
